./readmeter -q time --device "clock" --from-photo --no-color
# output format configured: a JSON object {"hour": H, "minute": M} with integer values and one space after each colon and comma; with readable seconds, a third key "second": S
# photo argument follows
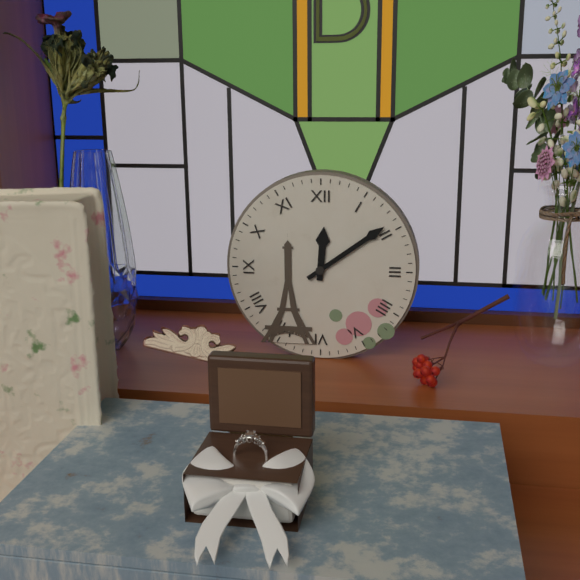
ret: {"hour": 12, "minute": 9}
